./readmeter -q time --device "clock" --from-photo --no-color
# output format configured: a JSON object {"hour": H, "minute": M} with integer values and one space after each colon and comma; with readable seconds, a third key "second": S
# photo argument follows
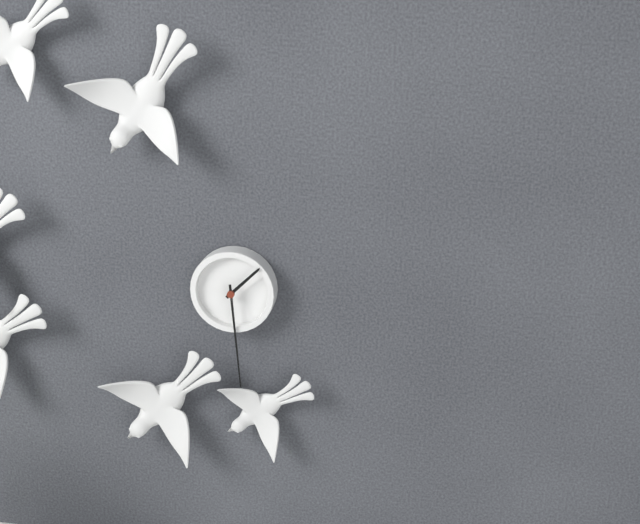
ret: {"hour": 1, "minute": 29}
